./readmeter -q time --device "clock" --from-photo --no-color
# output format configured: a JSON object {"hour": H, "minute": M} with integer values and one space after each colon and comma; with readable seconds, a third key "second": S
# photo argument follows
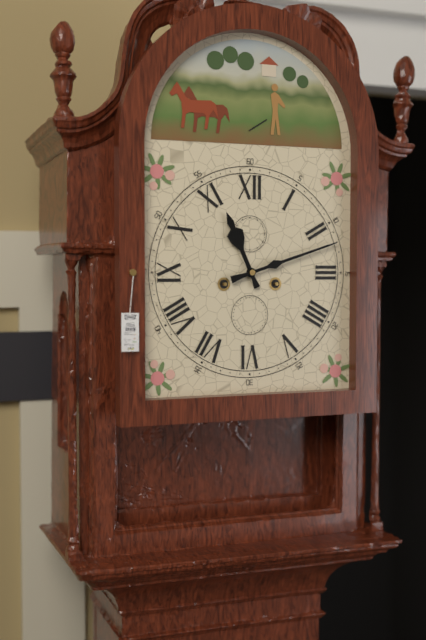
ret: {"hour": 11, "minute": 12}
